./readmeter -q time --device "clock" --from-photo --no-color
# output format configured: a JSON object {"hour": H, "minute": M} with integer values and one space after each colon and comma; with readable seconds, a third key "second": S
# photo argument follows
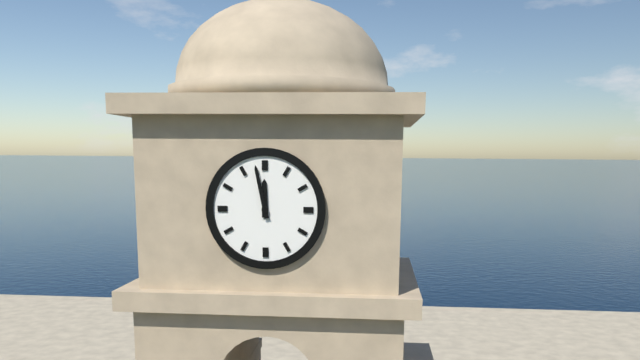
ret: {"hour": 11, "minute": 58}
